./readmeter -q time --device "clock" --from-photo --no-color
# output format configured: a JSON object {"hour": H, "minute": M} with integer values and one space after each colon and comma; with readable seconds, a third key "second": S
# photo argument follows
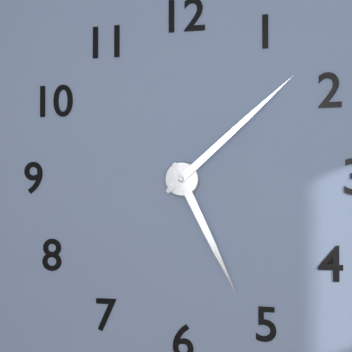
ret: {"hour": 5, "minute": 8}
